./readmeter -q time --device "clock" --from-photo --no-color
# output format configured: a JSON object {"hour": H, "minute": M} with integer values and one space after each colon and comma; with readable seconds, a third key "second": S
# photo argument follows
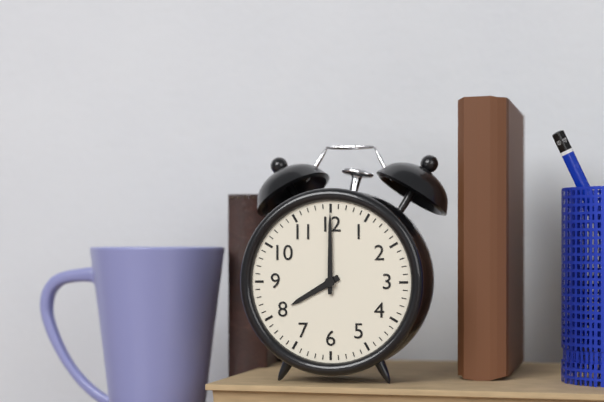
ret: {"hour": 8, "minute": 0}
